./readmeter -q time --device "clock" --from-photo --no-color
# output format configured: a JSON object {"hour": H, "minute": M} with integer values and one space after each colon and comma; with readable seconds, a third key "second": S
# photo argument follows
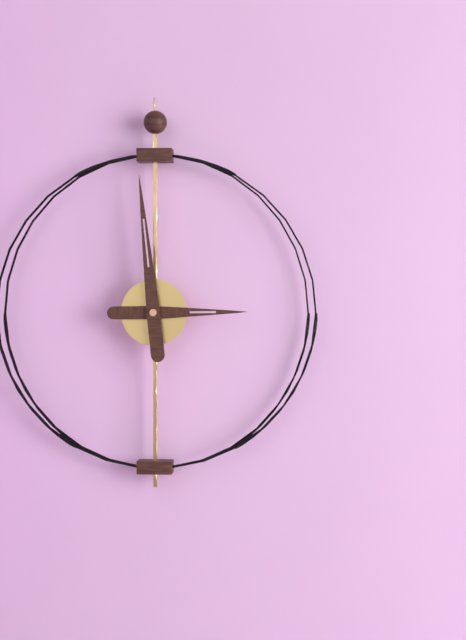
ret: {"hour": 2, "minute": 59}
